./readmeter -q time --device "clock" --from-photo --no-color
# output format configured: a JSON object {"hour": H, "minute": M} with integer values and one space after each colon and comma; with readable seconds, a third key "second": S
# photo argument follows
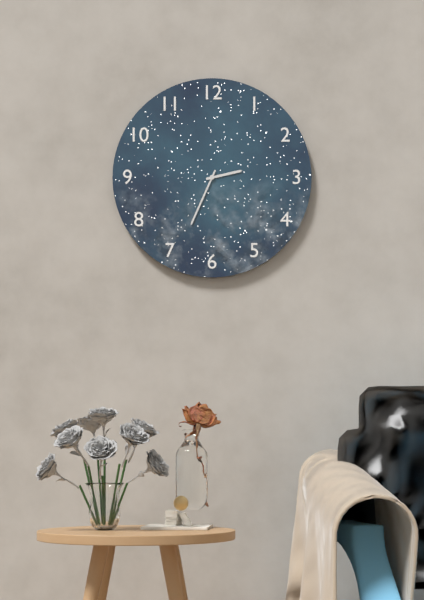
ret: {"hour": 2, "minute": 34}
